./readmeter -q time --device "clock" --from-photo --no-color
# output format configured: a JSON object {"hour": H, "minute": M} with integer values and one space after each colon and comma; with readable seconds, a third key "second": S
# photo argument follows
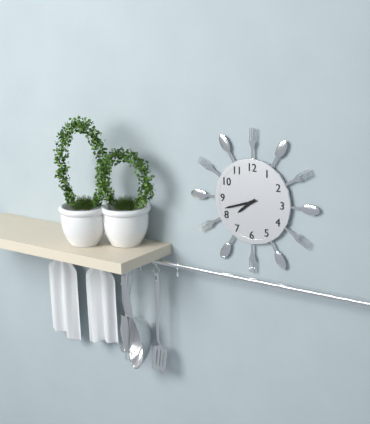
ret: {"hour": 7, "minute": 42}
